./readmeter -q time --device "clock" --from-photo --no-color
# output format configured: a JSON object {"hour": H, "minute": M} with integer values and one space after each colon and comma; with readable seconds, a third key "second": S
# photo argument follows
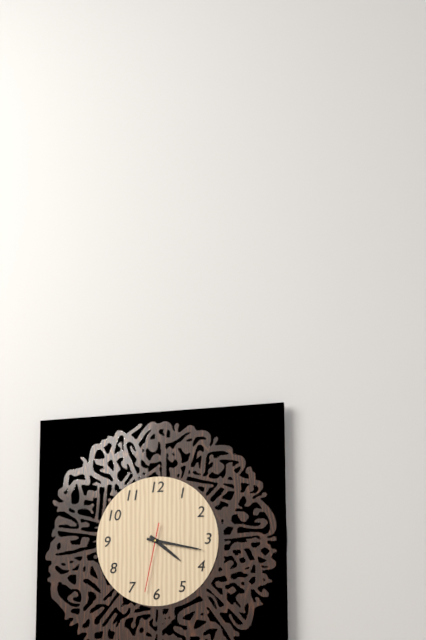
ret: {"hour": 4, "minute": 17, "second": 32}
